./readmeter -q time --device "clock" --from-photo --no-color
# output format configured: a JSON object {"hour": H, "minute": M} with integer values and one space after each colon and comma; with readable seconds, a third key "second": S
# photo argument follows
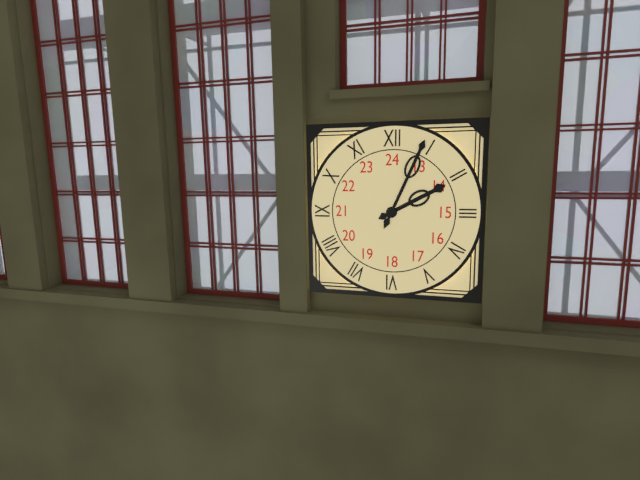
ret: {"hour": 2, "minute": 4}
